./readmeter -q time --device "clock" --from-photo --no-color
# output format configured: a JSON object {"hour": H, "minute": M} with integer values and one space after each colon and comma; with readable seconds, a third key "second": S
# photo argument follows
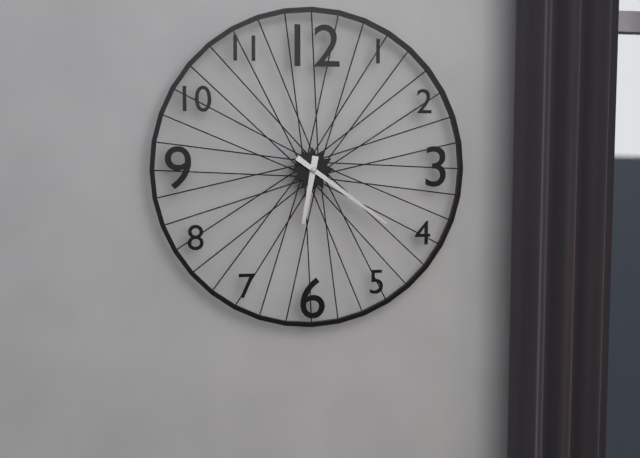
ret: {"hour": 6, "minute": 21}
